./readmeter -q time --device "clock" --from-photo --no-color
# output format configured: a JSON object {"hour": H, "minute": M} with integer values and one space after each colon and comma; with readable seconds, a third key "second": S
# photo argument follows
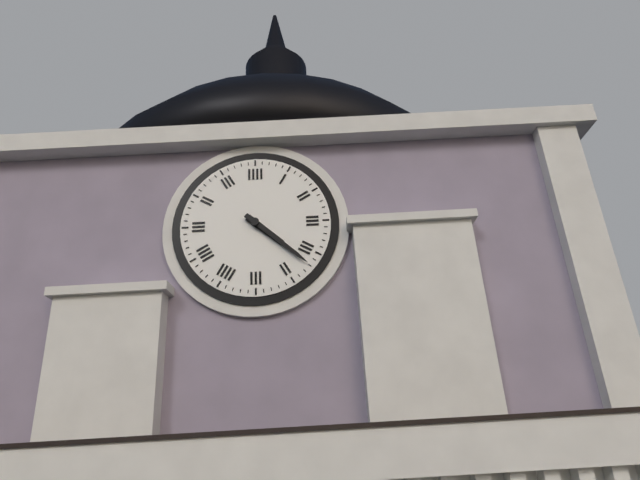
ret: {"hour": 4, "minute": 22}
